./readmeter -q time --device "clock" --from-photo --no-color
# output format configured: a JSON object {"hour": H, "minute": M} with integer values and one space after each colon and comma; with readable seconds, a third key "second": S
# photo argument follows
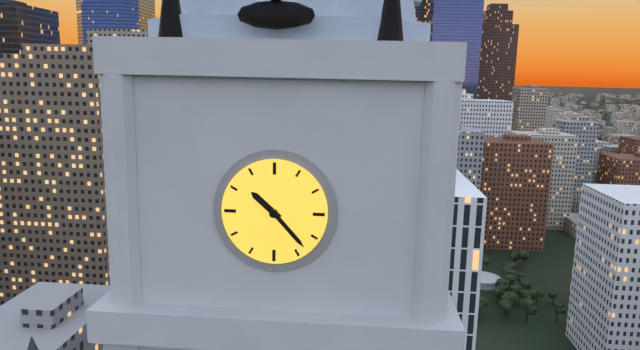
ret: {"hour": 10, "minute": 23}
